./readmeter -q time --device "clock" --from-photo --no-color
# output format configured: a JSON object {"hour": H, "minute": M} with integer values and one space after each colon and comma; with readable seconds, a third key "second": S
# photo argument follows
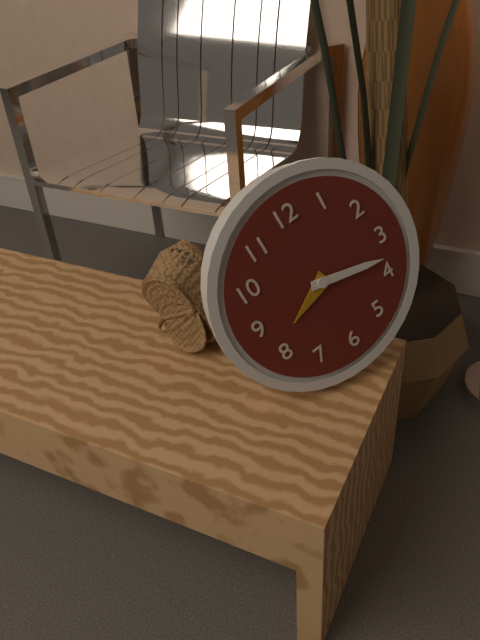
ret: {"hour": 8, "minute": 18}
